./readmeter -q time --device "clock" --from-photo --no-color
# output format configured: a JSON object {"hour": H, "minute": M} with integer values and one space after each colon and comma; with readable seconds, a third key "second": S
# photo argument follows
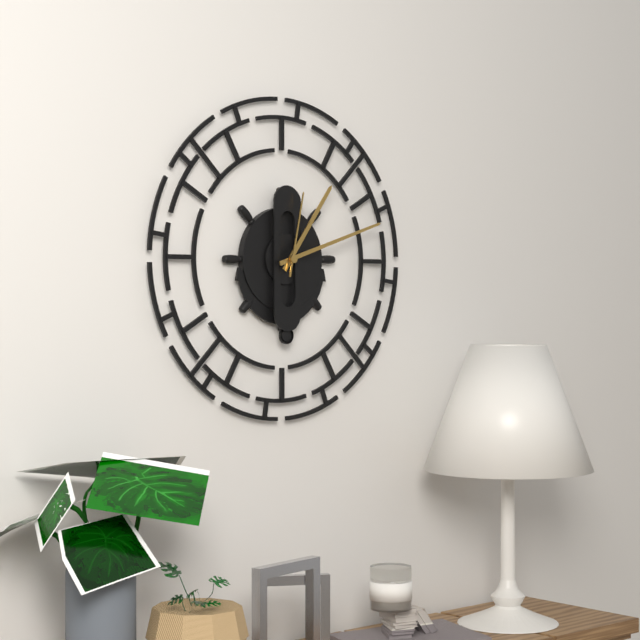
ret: {"hour": 1, "minute": 12, "second": 2}
